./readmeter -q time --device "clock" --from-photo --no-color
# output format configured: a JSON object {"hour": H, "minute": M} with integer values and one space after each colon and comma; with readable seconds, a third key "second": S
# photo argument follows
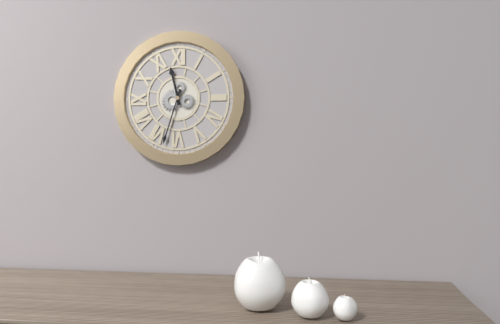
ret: {"hour": 11, "minute": 33}
